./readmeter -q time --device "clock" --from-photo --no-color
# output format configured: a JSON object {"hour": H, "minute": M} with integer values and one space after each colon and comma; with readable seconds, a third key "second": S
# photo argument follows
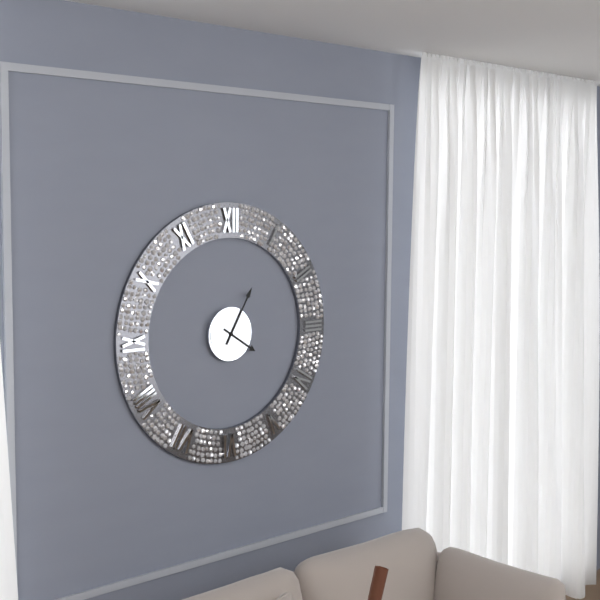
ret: {"hour": 4, "minute": 5}
